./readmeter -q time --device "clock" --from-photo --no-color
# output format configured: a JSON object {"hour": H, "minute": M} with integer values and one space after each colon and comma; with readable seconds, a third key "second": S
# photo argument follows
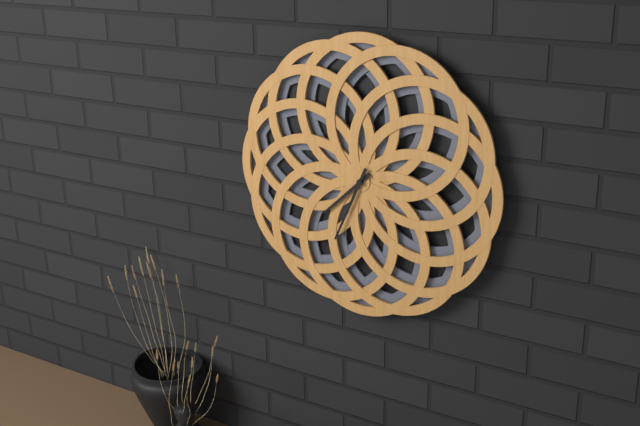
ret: {"hour": 7, "minute": 34}
